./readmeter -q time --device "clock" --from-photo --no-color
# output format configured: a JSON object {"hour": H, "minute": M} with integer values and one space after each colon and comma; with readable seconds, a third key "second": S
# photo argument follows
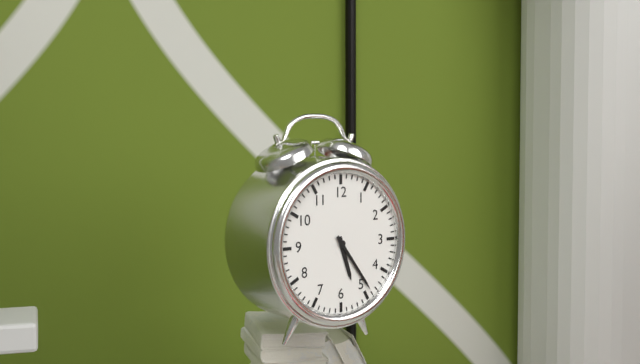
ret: {"hour": 5, "minute": 24}
